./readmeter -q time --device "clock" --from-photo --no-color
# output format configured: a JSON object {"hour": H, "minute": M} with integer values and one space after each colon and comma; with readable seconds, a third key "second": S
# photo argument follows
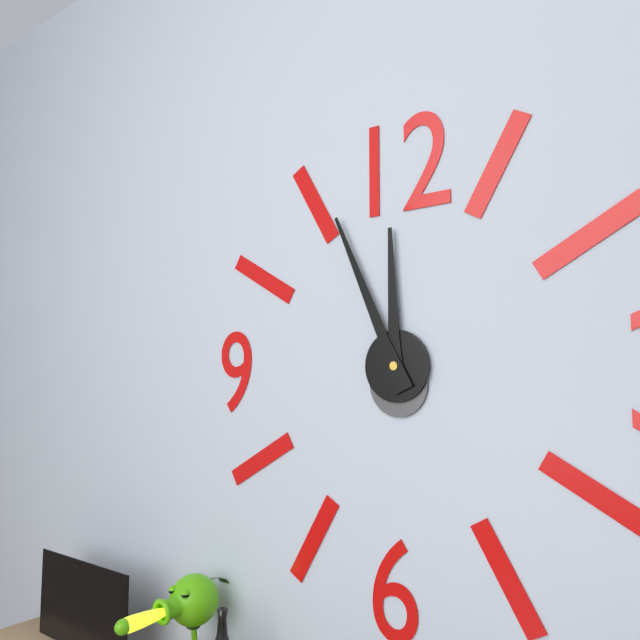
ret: {"hour": 11, "minute": 56}
